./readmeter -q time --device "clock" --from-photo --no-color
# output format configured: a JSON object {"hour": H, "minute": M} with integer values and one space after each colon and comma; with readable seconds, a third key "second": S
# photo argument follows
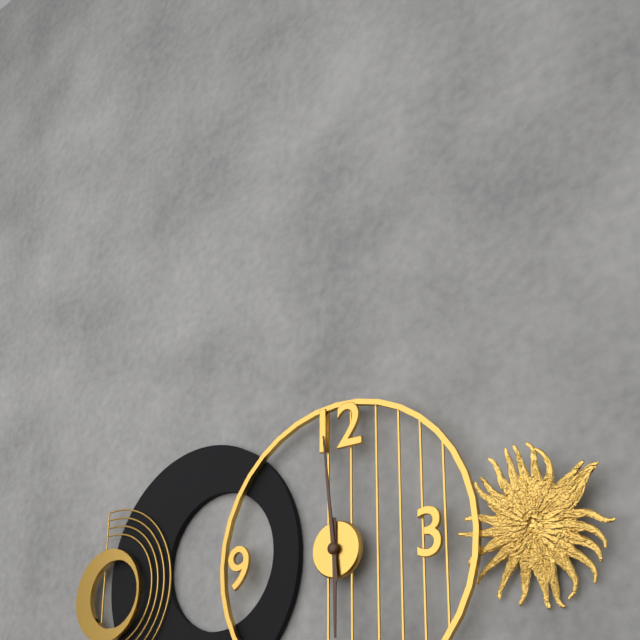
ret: {"hour": 5, "minute": 59}
